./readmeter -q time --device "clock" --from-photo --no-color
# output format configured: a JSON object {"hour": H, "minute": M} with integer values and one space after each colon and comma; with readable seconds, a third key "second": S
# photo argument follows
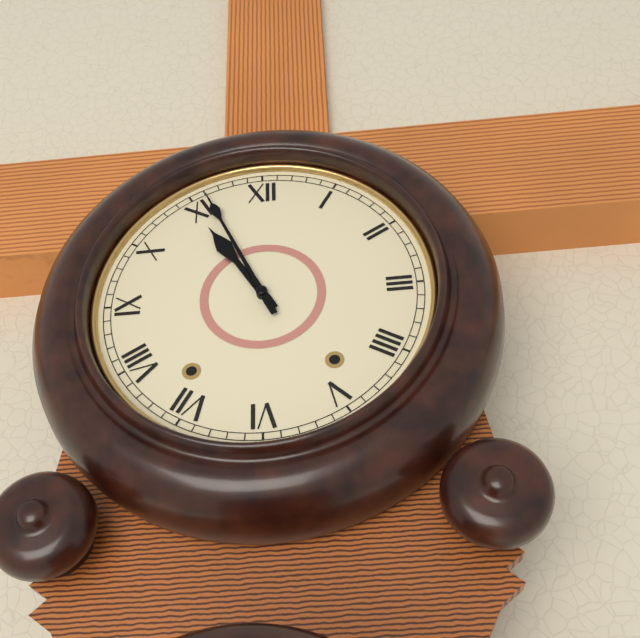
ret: {"hour": 10, "minute": 56}
